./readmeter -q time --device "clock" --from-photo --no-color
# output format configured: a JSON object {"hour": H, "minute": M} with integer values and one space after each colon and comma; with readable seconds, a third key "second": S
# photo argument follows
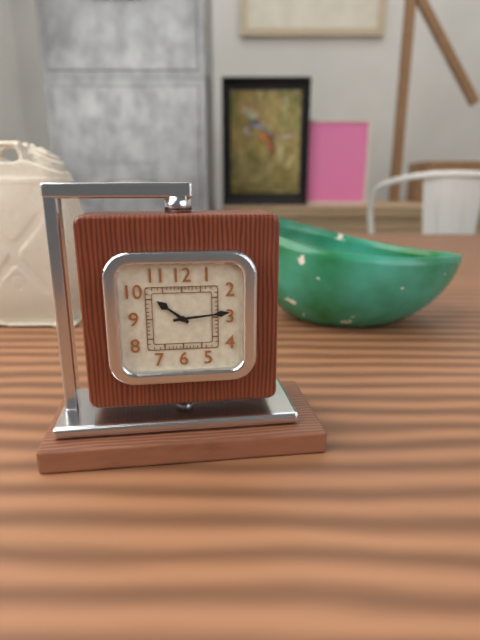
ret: {"hour": 10, "minute": 14}
